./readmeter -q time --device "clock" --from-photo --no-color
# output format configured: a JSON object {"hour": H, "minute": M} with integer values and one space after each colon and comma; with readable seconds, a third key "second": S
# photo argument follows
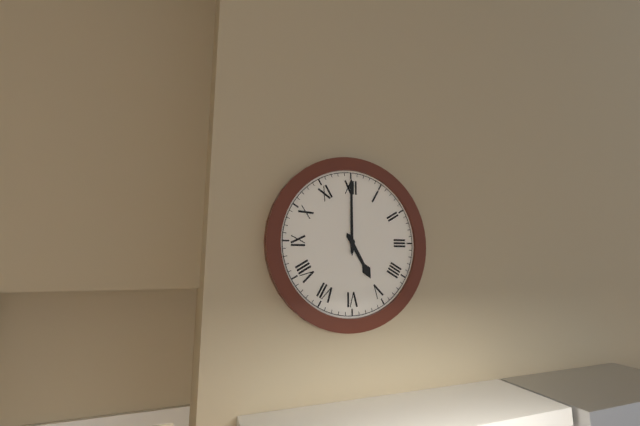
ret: {"hour": 5, "minute": 0}
